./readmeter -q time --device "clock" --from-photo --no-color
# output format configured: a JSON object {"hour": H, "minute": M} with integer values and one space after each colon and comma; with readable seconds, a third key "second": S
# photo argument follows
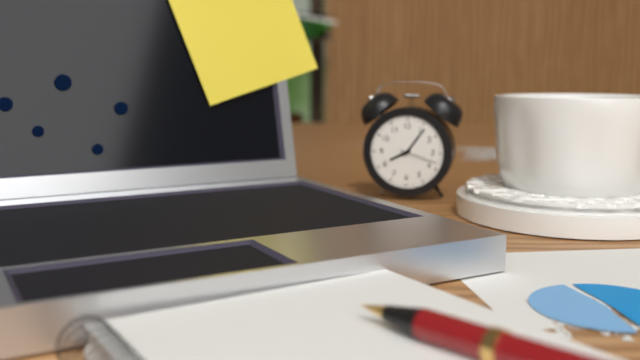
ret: {"hour": 8, "minute": 6}
